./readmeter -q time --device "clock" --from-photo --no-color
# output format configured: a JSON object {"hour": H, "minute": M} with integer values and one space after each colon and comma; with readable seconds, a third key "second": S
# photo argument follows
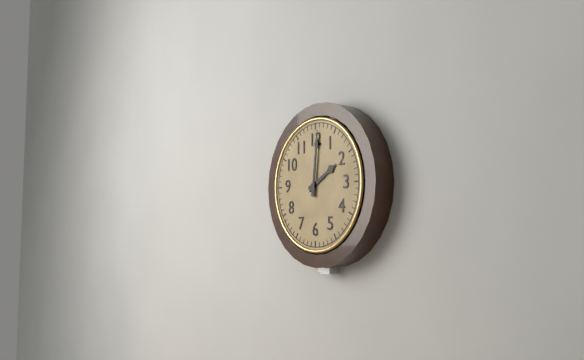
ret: {"hour": 2, "minute": 1}
